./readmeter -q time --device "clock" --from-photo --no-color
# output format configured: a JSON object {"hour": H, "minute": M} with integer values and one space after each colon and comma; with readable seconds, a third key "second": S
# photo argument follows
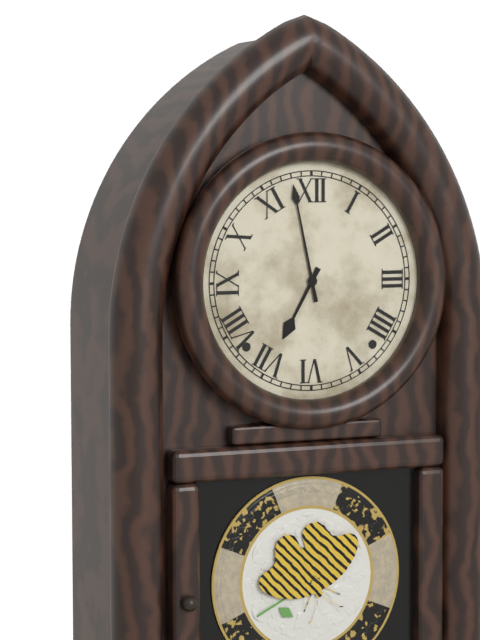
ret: {"hour": 6, "minute": 58}
